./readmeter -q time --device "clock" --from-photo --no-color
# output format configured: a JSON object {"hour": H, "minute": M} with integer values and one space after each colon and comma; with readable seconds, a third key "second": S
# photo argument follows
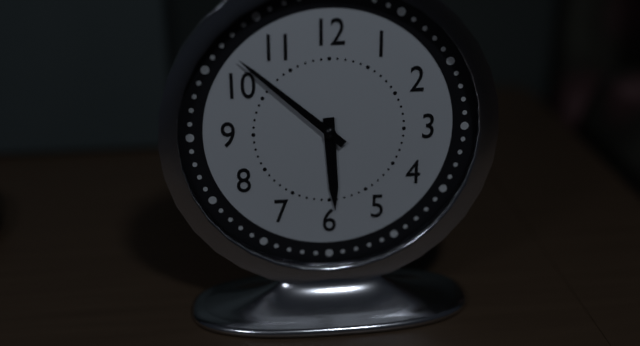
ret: {"hour": 5, "minute": 52}
